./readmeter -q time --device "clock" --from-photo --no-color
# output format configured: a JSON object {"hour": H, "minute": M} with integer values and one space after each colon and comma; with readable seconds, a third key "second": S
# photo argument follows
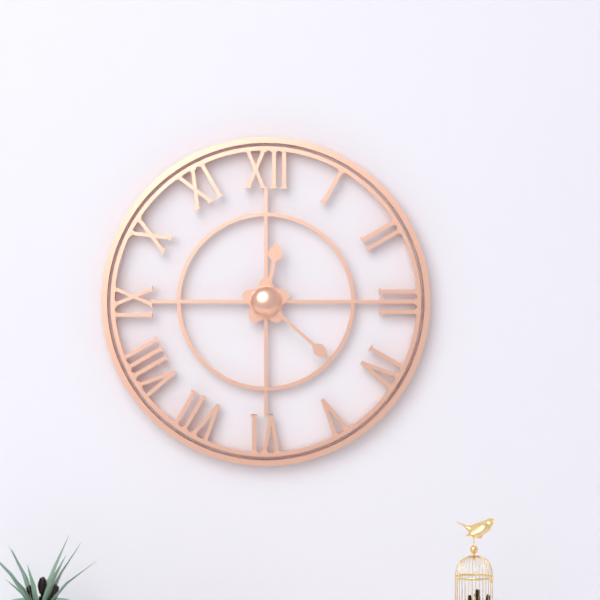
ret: {"hour": 12, "minute": 22}
